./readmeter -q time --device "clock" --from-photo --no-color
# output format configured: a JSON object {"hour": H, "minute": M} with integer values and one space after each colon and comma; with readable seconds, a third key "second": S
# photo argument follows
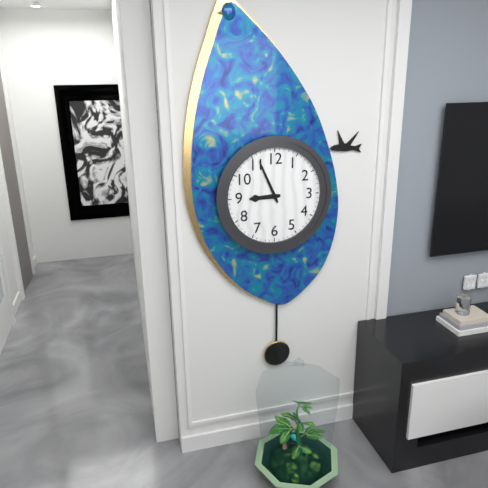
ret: {"hour": 8, "minute": 56}
